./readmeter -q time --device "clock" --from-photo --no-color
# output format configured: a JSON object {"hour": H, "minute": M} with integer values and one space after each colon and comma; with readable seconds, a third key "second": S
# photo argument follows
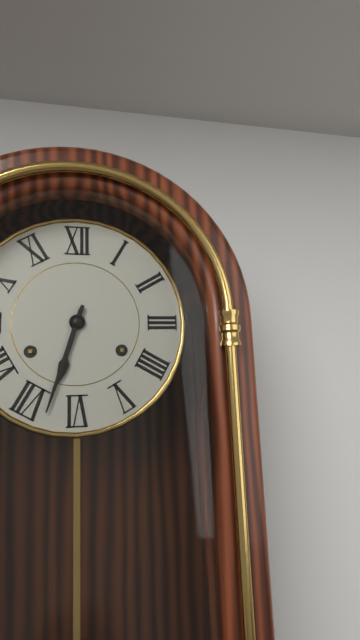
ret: {"hour": 6, "minute": 33}
